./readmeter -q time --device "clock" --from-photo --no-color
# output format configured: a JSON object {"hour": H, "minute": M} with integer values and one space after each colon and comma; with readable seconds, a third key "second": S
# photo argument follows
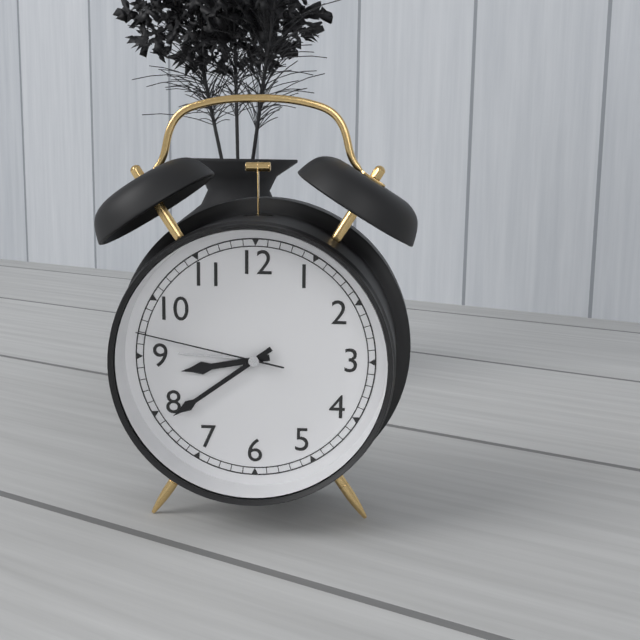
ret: {"hour": 8, "minute": 39, "second": 47}
